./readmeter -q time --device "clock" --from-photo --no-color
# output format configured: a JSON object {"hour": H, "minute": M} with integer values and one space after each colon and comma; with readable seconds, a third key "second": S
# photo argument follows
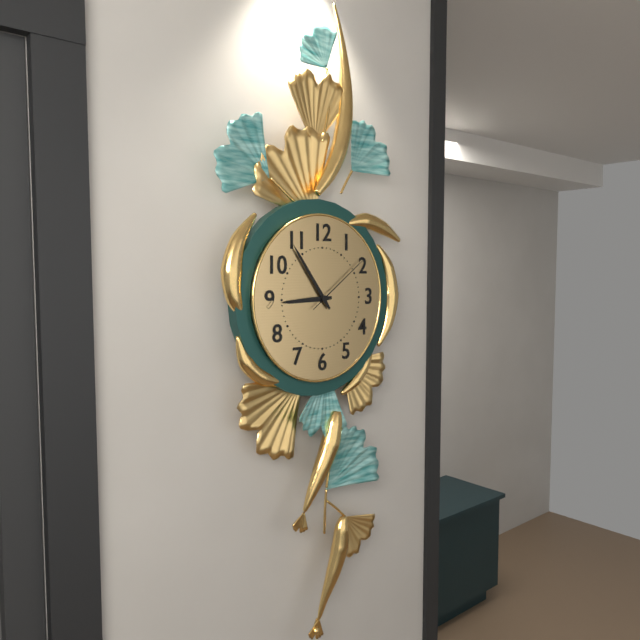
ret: {"hour": 8, "minute": 54, "second": 9}
